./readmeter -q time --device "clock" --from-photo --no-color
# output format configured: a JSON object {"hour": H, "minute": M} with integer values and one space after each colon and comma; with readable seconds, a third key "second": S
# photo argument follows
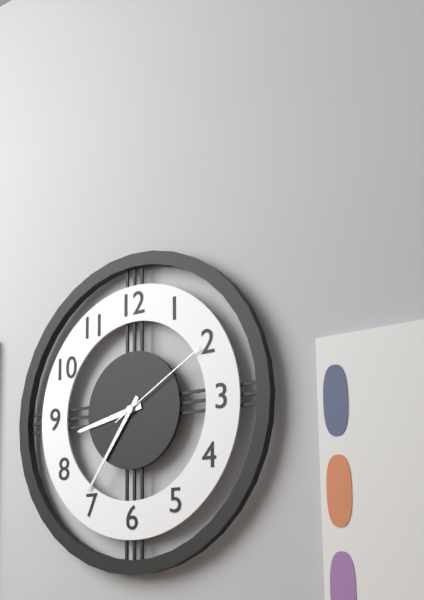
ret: {"hour": 8, "minute": 36, "second": 10}
